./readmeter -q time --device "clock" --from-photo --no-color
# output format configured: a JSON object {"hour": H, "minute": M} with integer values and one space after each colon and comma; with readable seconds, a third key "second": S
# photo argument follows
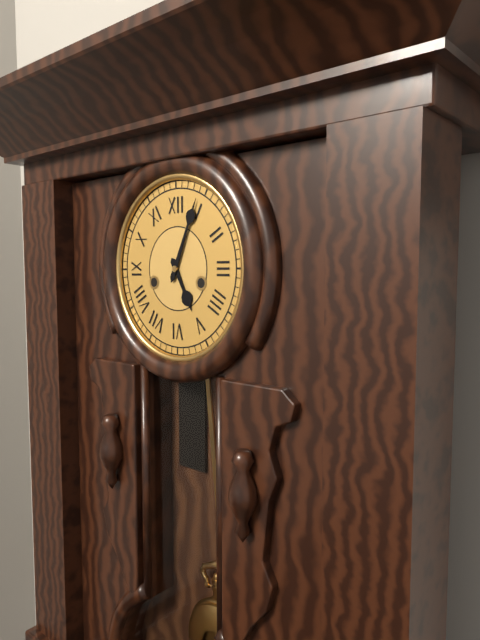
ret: {"hour": 5, "minute": 4}
